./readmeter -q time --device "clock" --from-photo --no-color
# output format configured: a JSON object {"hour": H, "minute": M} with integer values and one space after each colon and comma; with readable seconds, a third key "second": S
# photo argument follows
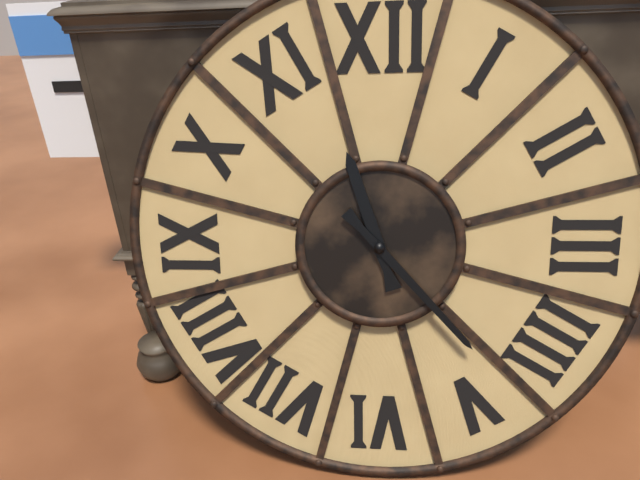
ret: {"hour": 11, "minute": 23}
